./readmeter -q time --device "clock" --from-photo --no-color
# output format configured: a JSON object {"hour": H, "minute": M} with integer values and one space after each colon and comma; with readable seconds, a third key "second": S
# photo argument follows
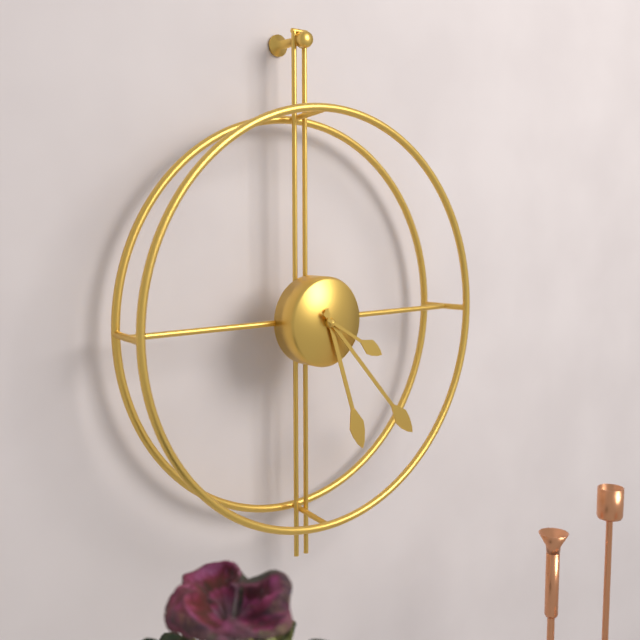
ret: {"hour": 5, "minute": 23, "second": 20}
